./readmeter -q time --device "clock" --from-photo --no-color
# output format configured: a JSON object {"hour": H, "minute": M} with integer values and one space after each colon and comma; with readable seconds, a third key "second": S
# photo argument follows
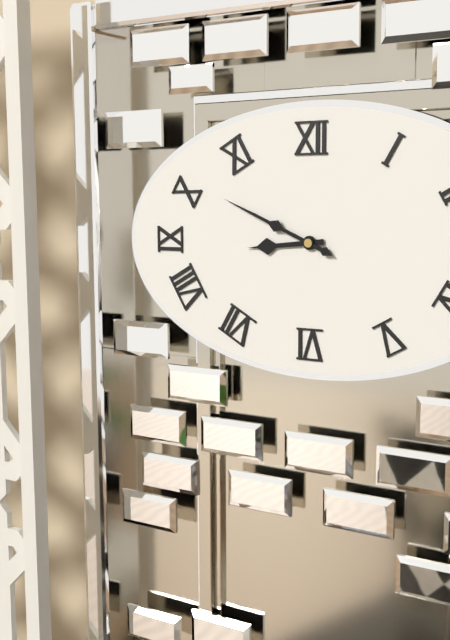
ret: {"hour": 8, "minute": 49}
